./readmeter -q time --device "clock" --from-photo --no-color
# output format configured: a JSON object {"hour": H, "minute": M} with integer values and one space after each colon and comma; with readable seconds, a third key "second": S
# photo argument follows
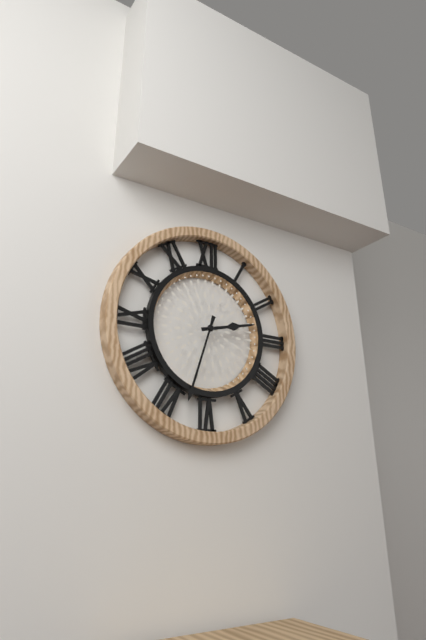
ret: {"hour": 2, "minute": 33}
